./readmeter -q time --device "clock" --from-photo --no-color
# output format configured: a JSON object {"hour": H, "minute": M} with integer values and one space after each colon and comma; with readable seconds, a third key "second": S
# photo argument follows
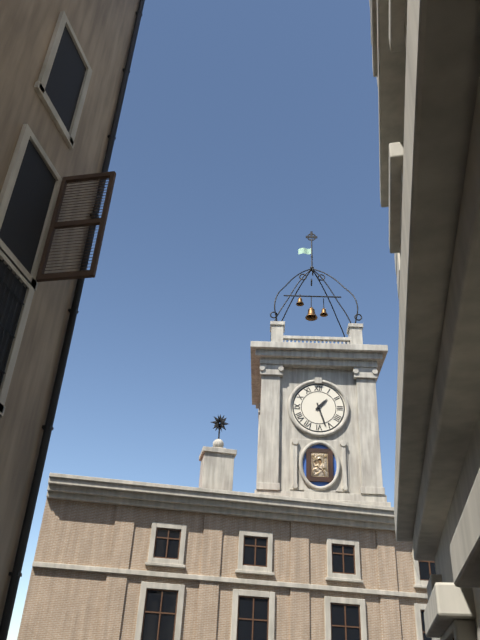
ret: {"hour": 1, "minute": 27}
